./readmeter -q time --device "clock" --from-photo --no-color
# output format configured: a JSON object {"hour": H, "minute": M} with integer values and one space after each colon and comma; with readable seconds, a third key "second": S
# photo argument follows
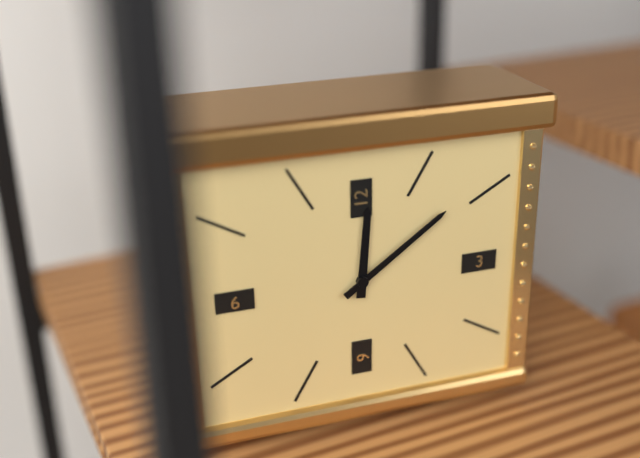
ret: {"hour": 12, "minute": 9}
